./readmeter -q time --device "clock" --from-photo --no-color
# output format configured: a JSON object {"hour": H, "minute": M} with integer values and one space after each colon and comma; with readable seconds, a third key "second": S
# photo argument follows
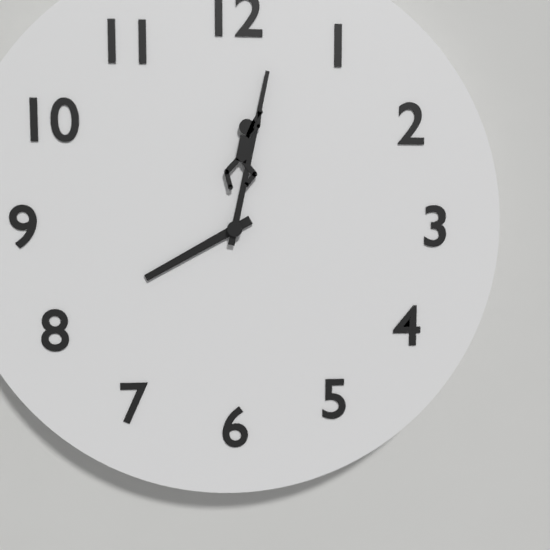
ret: {"hour": 8, "minute": 2}
